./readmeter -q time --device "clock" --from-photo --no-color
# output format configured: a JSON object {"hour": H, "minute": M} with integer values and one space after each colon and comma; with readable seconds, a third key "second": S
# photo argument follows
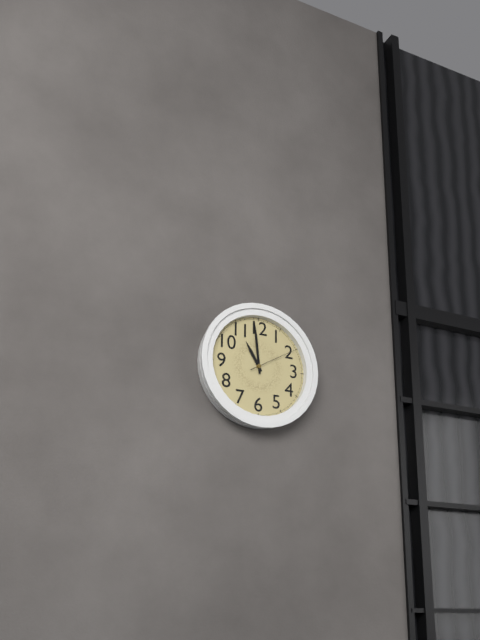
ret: {"hour": 10, "minute": 59}
